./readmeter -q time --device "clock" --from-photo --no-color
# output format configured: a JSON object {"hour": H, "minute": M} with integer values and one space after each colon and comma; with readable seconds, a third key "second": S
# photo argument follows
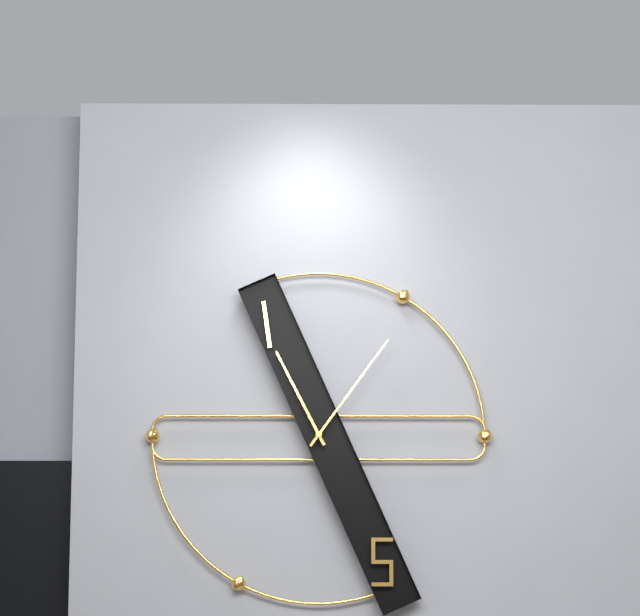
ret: {"hour": 11, "minute": 6}
